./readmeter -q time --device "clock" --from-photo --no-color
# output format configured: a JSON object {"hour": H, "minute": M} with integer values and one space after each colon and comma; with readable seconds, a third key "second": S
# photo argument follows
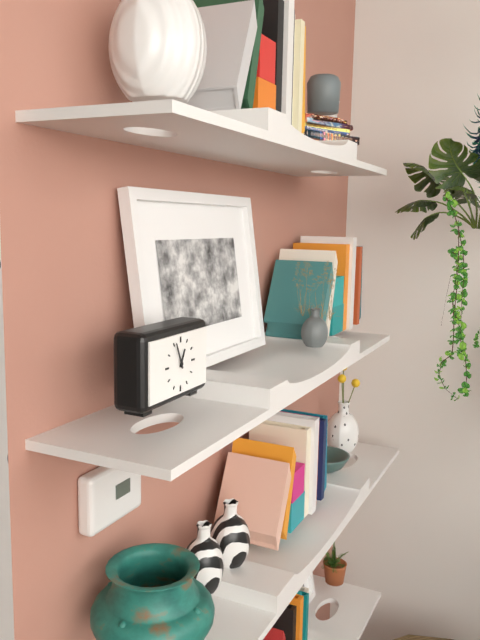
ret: {"hour": 12, "minute": 56}
